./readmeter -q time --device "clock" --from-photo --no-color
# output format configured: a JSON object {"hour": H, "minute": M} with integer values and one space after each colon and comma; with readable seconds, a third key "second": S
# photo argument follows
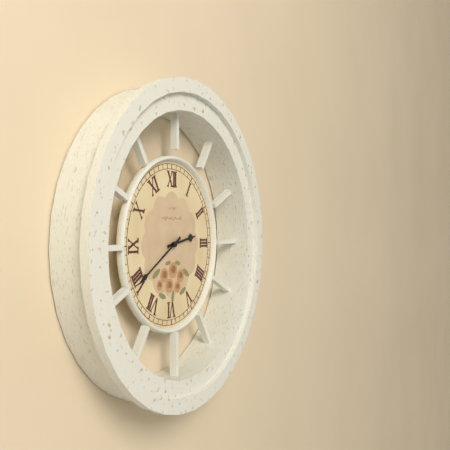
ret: {"hour": 2, "minute": 40}
